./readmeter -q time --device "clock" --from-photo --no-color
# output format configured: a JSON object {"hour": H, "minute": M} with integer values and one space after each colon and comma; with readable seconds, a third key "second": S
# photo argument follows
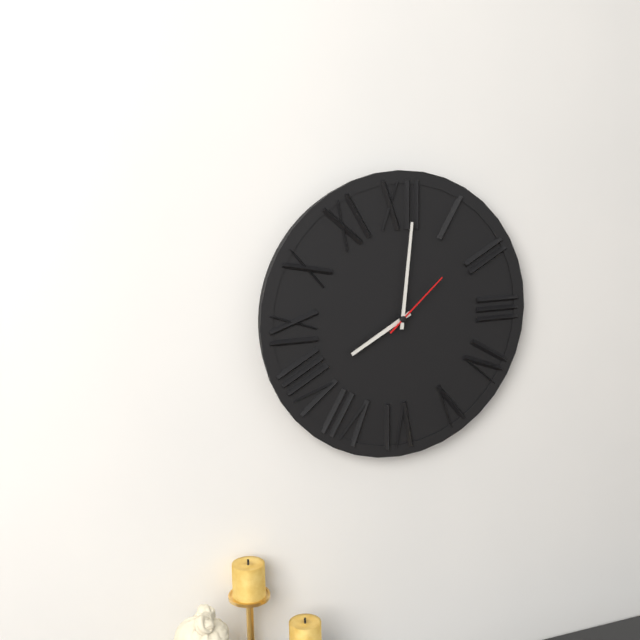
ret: {"hour": 8, "minute": 1, "second": 8}
